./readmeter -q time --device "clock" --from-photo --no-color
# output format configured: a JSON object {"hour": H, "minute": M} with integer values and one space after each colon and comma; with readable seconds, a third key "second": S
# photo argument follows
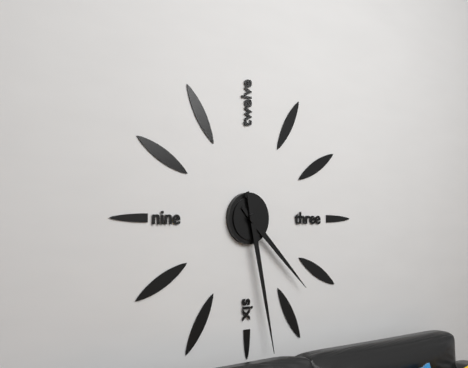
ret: {"hour": 4, "minute": 28}
